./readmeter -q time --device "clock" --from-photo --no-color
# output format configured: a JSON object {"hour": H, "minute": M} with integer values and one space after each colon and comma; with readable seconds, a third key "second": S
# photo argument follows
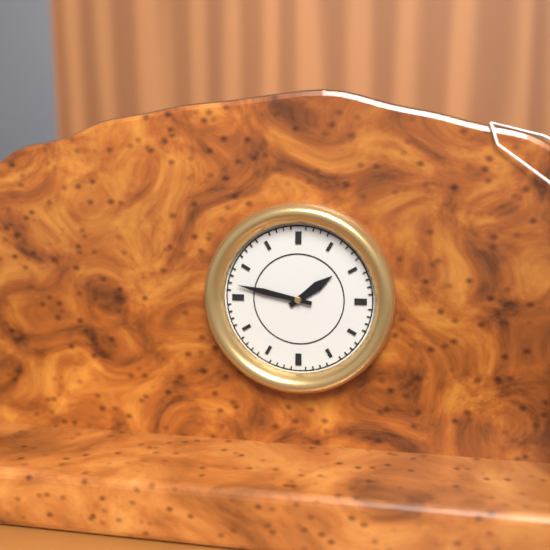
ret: {"hour": 1, "minute": 47}
